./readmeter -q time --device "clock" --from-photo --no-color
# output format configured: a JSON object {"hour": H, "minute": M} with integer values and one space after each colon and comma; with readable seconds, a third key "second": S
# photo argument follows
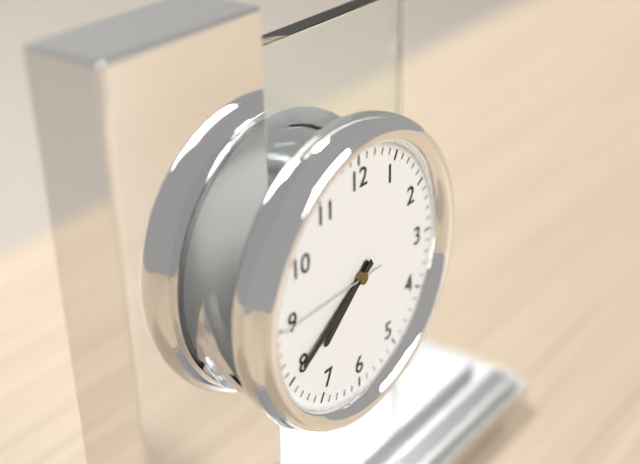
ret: {"hour": 7, "minute": 40, "second": 45}
